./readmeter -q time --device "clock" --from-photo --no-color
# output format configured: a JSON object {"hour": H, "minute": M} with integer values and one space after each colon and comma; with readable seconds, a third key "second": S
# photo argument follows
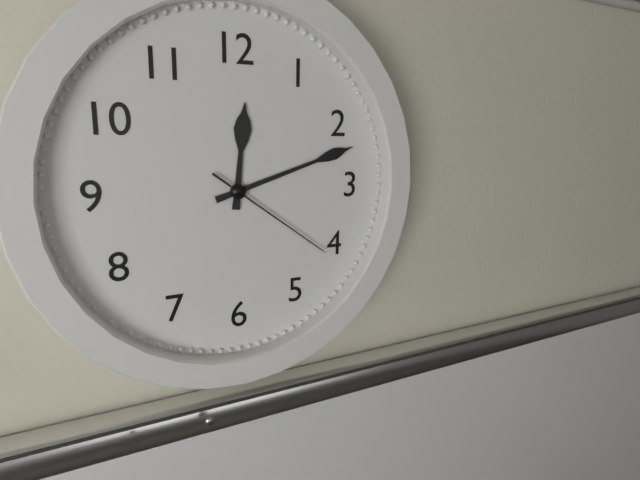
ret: {"hour": 12, "minute": 12, "second": 21}
